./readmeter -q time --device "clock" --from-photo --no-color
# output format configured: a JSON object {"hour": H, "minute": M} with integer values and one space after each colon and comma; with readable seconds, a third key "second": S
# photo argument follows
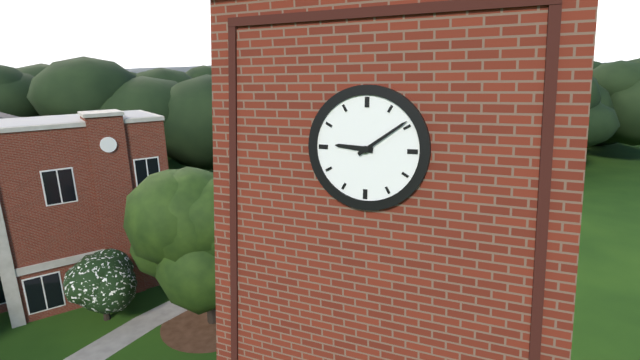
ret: {"hour": 9, "minute": 9}
